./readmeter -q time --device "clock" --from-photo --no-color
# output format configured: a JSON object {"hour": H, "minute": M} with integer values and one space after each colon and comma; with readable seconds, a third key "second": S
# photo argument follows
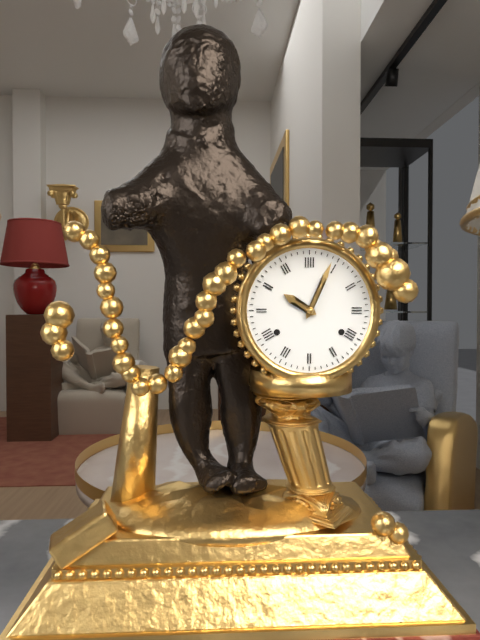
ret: {"hour": 10, "minute": 4}
